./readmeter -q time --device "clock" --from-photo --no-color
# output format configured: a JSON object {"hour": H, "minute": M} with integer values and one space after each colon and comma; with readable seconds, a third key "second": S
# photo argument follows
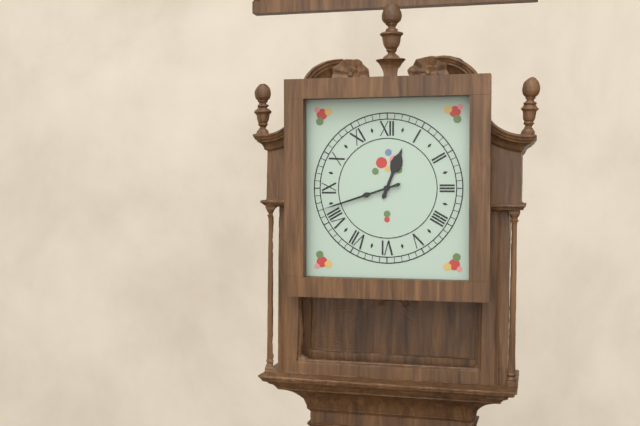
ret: {"hour": 12, "minute": 42}
